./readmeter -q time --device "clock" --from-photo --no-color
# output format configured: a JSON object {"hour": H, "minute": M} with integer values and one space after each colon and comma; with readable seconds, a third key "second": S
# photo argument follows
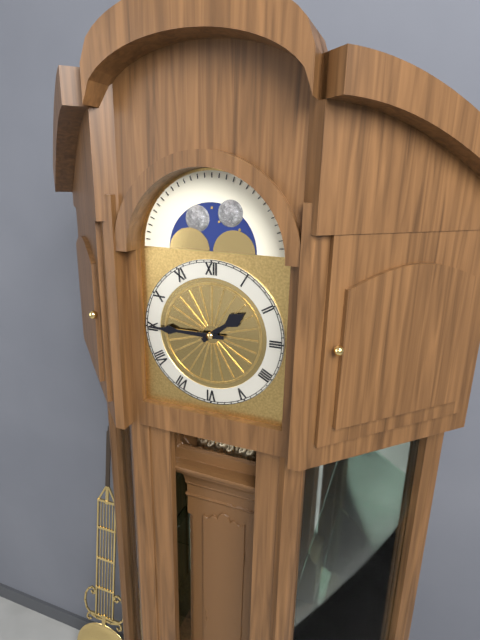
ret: {"hour": 1, "minute": 45}
